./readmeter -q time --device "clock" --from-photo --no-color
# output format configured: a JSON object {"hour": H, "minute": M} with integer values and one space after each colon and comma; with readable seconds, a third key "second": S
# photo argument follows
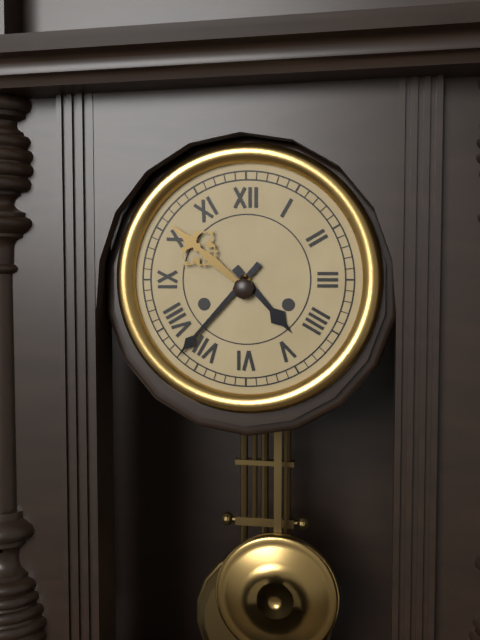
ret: {"hour": 4, "minute": 37}
